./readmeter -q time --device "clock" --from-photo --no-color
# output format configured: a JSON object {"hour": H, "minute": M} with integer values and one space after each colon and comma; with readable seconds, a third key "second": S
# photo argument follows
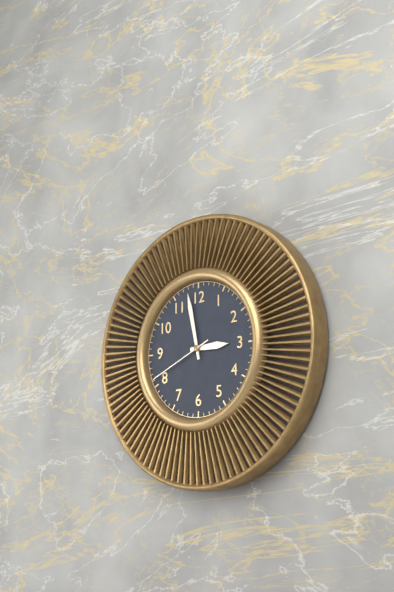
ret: {"hour": 2, "minute": 58, "second": 41}
